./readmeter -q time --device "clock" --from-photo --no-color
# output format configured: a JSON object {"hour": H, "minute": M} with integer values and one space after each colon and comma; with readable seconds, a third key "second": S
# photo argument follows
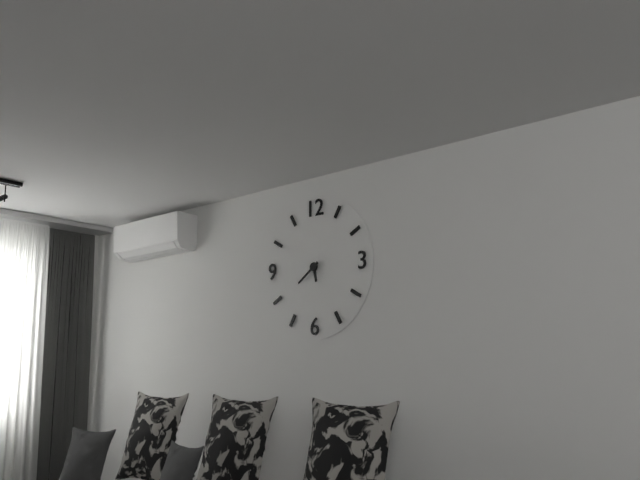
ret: {"hour": 5, "minute": 39}
